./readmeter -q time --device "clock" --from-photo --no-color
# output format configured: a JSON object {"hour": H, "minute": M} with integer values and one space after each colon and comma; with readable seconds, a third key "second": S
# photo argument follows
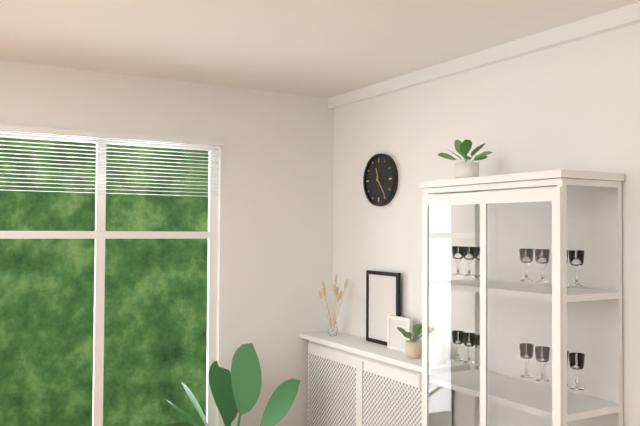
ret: {"hour": 11, "minute": 24}
